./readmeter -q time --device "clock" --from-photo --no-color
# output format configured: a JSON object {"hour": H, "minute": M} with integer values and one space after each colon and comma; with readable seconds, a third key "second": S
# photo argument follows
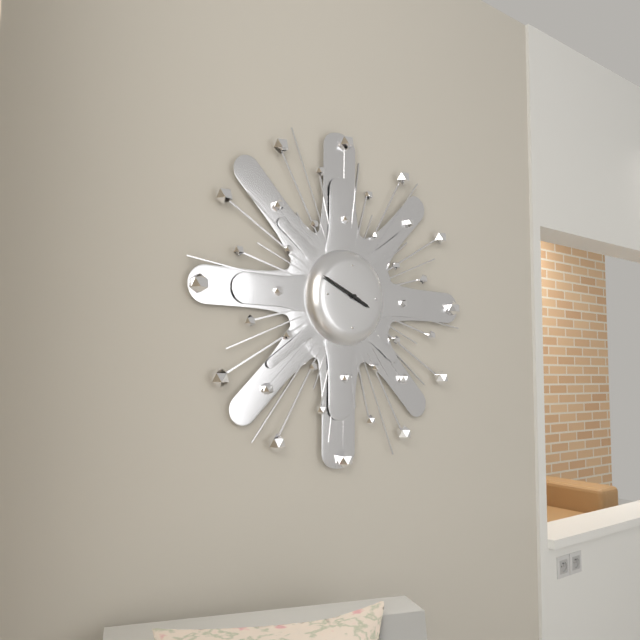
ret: {"hour": 3, "minute": 49}
